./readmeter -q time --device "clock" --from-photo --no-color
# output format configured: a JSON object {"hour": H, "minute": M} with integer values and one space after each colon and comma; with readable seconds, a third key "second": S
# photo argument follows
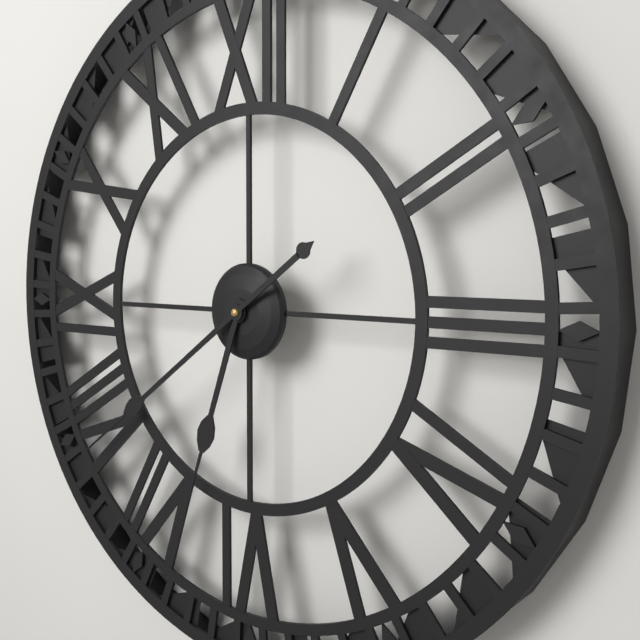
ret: {"hour": 6, "minute": 39}
